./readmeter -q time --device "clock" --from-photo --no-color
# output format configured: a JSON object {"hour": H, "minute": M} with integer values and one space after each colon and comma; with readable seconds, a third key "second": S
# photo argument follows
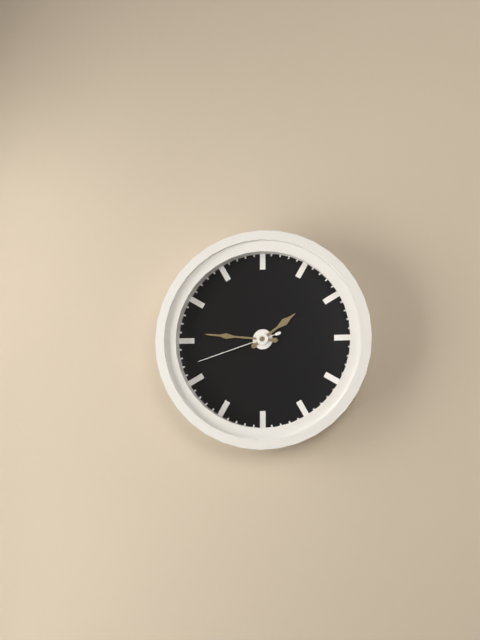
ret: {"hour": 1, "minute": 46, "second": 42}
